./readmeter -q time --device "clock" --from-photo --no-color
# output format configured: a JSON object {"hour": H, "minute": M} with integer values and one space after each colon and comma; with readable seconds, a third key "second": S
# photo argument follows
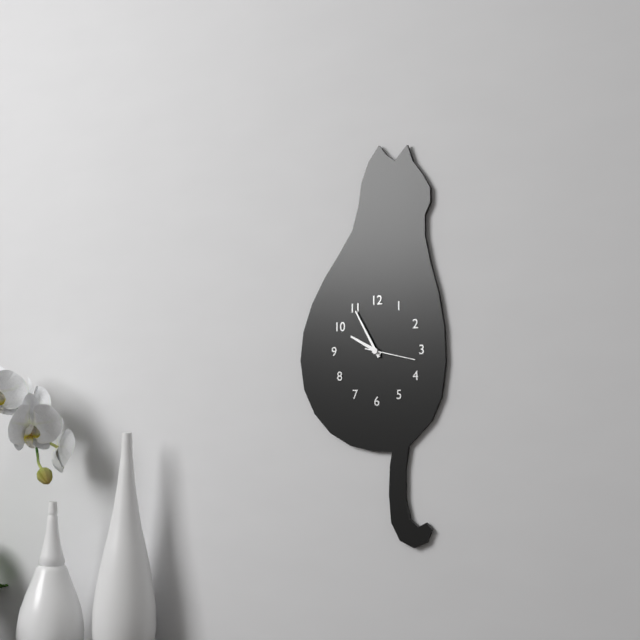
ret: {"hour": 9, "minute": 55, "second": 17}
